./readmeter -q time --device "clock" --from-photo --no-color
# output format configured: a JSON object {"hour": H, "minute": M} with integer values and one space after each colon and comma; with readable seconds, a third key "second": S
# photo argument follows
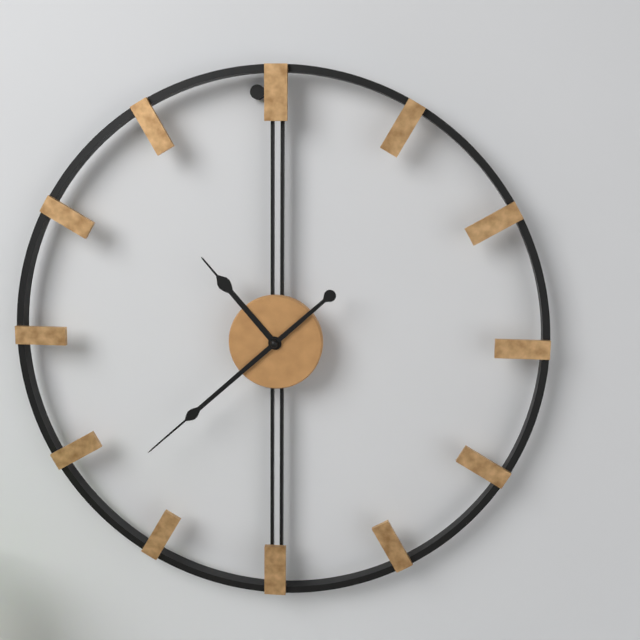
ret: {"hour": 10, "minute": 38}
